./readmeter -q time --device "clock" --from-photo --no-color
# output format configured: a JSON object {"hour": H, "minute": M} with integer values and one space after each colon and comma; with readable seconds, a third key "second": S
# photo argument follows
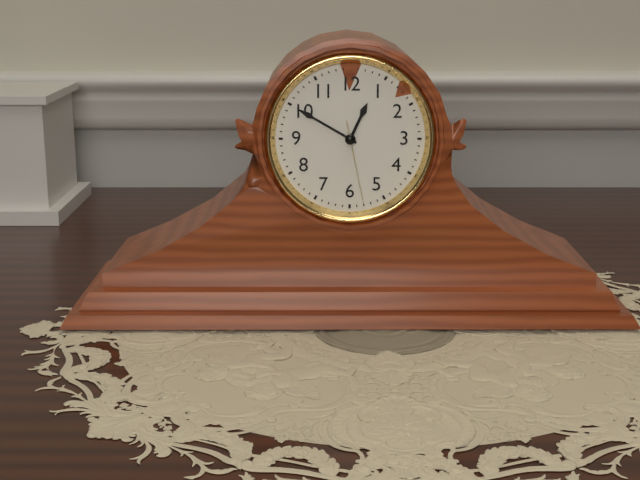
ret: {"hour": 12, "minute": 50, "second": 28}
